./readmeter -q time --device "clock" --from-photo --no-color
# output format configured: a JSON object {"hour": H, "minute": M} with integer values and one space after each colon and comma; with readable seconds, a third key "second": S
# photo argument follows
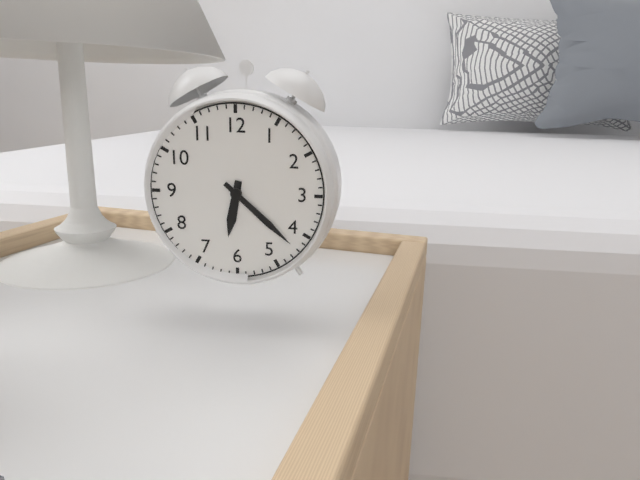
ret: {"hour": 6, "minute": 22}
